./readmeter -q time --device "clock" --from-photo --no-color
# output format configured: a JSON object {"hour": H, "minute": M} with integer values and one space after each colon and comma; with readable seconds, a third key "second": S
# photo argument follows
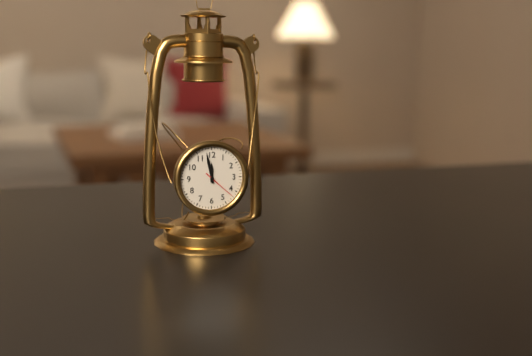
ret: {"hour": 11, "minute": 58}
